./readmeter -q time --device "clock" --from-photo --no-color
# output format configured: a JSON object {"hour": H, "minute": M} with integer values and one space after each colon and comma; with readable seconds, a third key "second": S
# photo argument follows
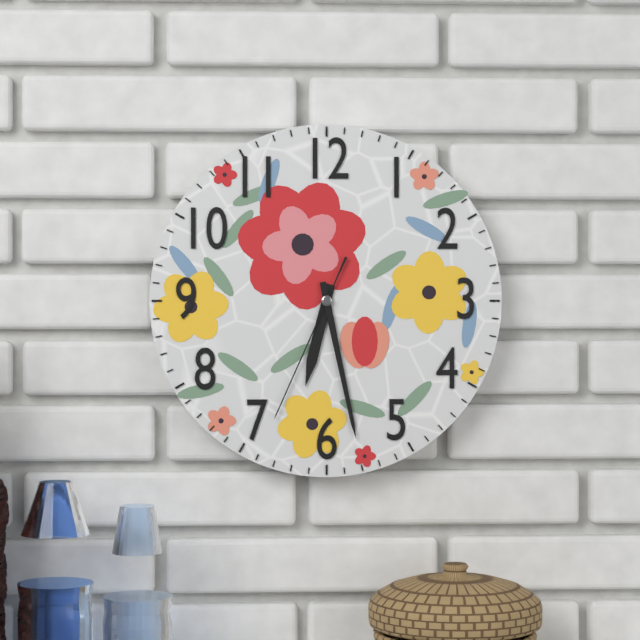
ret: {"hour": 6, "minute": 28, "second": 34}
